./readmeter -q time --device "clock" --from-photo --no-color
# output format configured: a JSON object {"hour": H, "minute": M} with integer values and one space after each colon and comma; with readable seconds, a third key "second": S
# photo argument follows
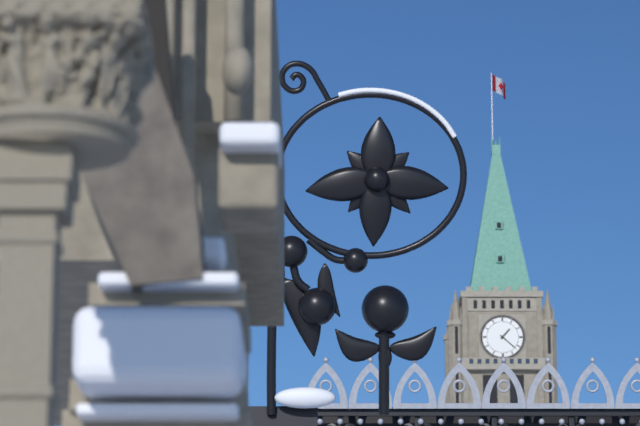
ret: {"hour": 1, "minute": 22}
